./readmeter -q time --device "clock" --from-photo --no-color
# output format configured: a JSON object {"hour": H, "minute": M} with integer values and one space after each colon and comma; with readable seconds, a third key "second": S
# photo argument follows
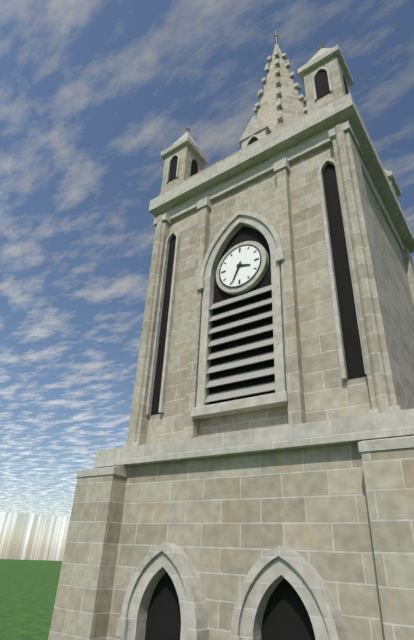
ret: {"hour": 3, "minute": 34}
